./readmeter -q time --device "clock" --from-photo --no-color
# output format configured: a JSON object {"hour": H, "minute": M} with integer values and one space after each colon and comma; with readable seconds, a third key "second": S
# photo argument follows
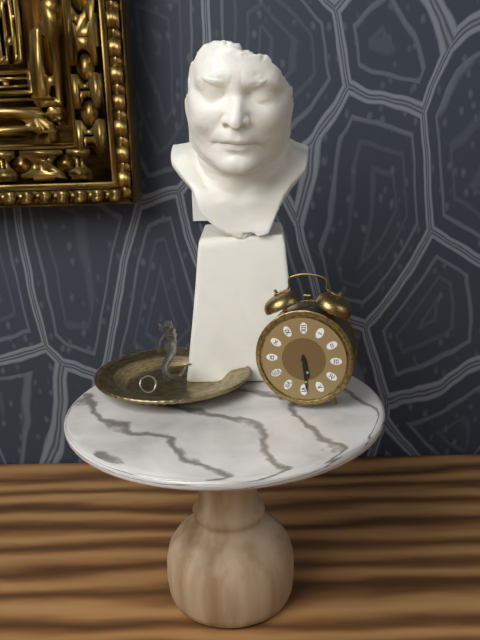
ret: {"hour": 5, "minute": 29}
